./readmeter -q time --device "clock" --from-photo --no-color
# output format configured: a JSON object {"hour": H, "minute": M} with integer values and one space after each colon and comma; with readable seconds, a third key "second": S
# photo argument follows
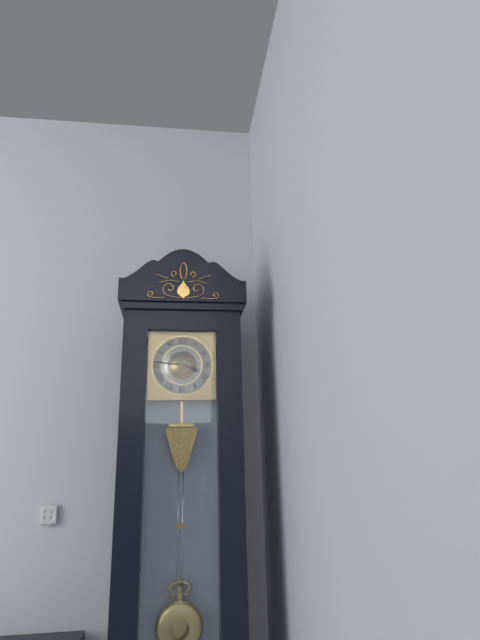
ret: {"hour": 3, "minute": 46}
